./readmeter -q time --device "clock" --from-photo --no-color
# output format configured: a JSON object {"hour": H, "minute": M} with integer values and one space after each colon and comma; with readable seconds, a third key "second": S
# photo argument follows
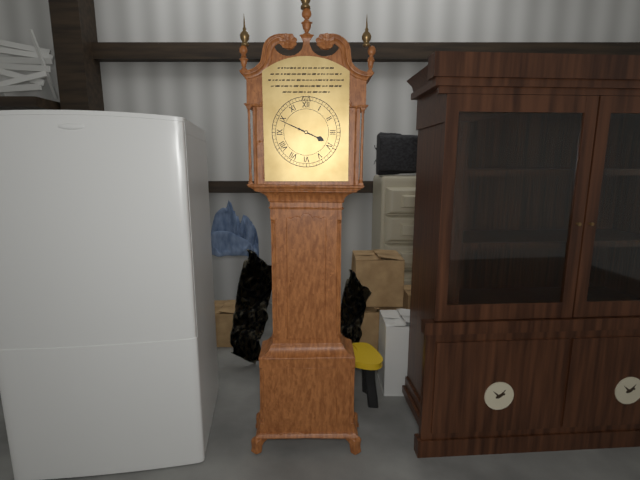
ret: {"hour": 3, "minute": 49}
